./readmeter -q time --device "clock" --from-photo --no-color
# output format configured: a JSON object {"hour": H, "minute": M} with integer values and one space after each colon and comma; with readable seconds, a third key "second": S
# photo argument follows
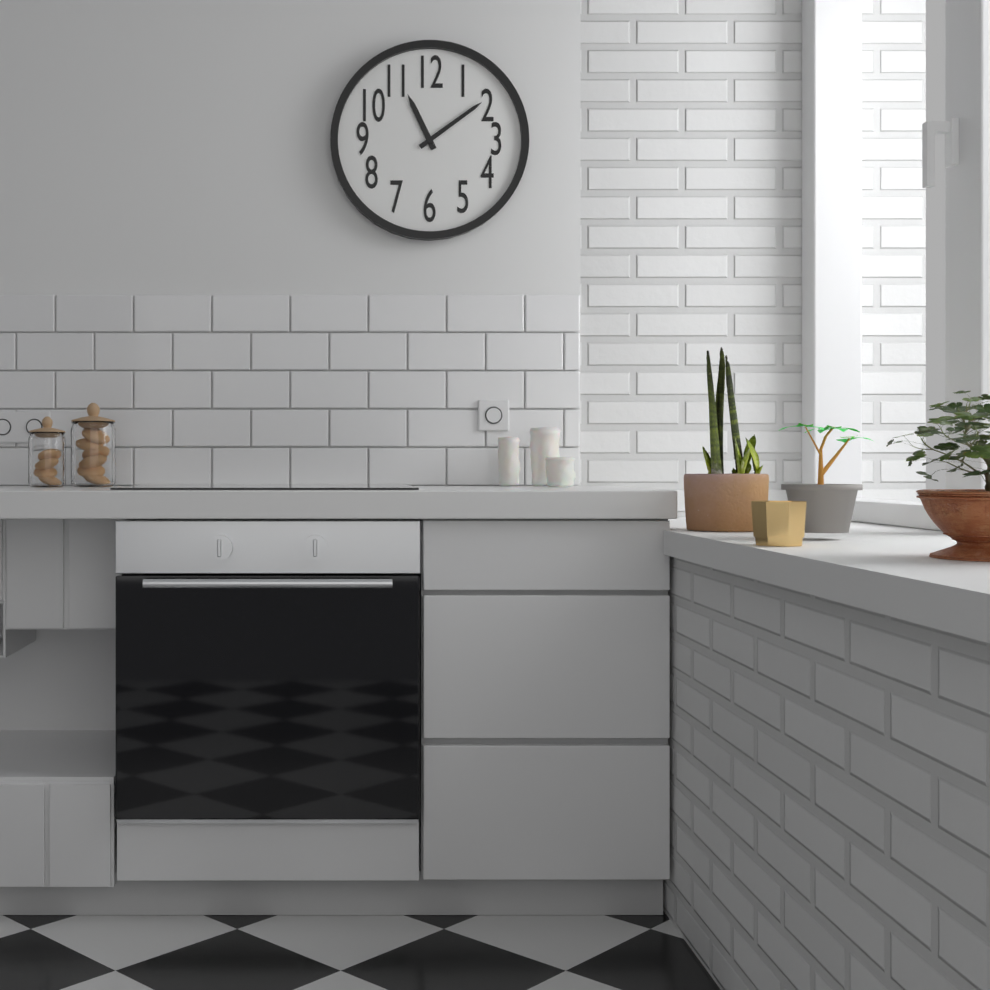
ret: {"hour": 11, "minute": 9}
